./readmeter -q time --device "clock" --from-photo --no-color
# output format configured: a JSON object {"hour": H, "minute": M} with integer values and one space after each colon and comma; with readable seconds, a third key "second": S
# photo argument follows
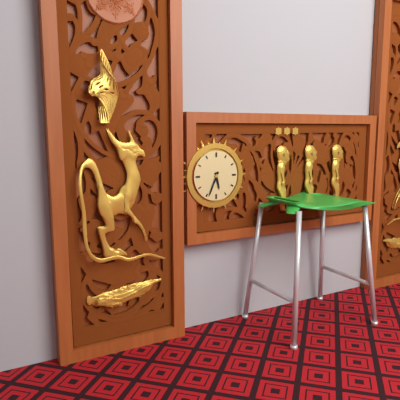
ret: {"hour": 5, "minute": 34}
